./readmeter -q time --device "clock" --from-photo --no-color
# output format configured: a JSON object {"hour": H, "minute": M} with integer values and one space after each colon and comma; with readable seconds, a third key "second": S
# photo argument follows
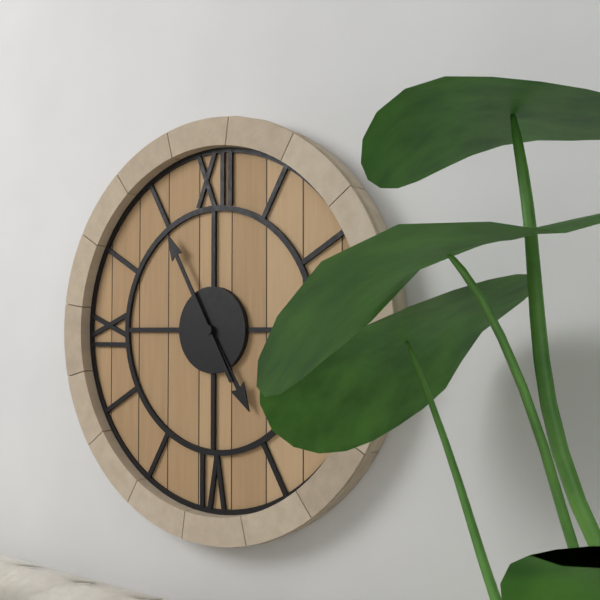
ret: {"hour": 4, "minute": 55}
